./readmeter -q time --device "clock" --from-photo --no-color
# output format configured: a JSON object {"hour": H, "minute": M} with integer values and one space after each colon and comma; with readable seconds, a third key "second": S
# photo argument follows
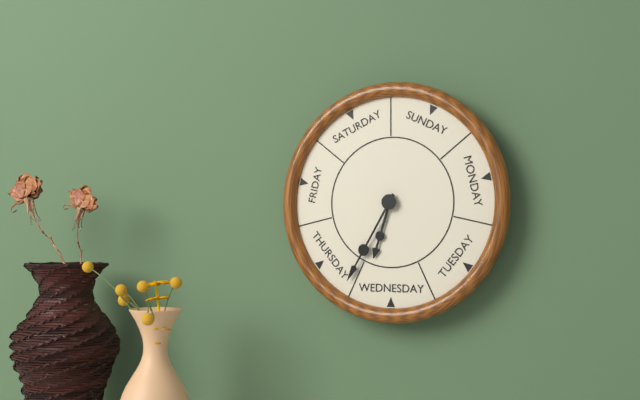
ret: {"hour": 6, "minute": 35}
